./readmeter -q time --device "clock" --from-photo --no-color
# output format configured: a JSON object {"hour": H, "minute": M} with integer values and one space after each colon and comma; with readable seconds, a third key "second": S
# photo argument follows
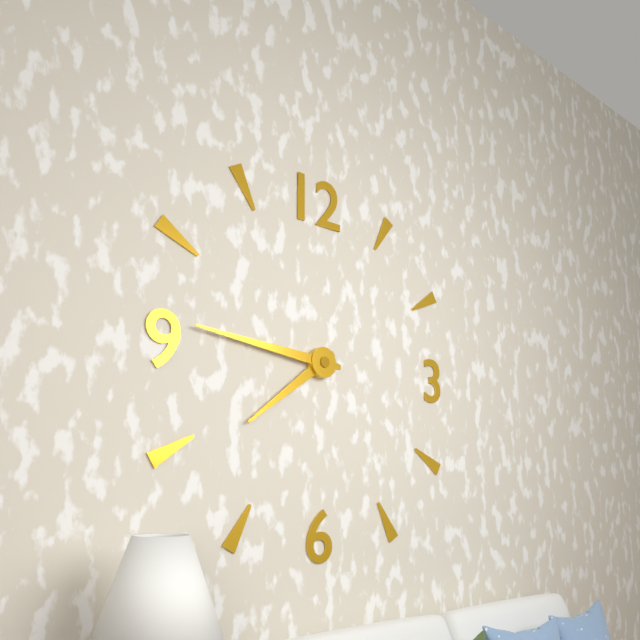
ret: {"hour": 7, "minute": 46}
